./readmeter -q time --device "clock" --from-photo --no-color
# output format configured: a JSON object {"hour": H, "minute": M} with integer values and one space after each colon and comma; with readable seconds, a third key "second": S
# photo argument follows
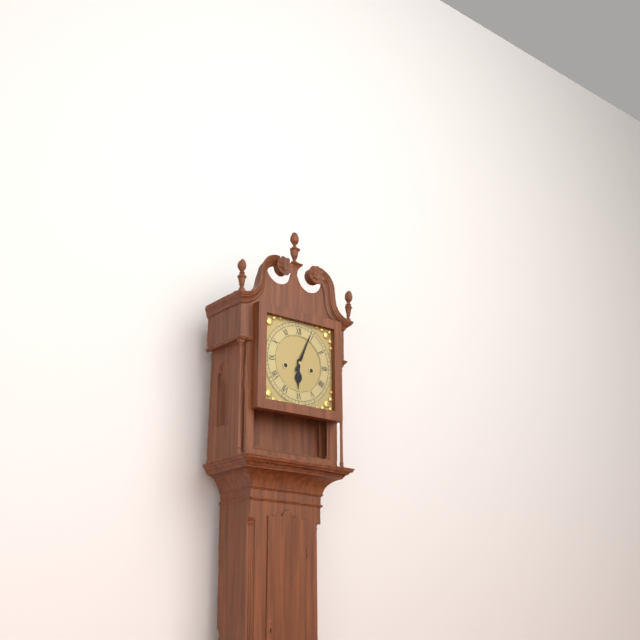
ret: {"hour": 6, "minute": 4}
